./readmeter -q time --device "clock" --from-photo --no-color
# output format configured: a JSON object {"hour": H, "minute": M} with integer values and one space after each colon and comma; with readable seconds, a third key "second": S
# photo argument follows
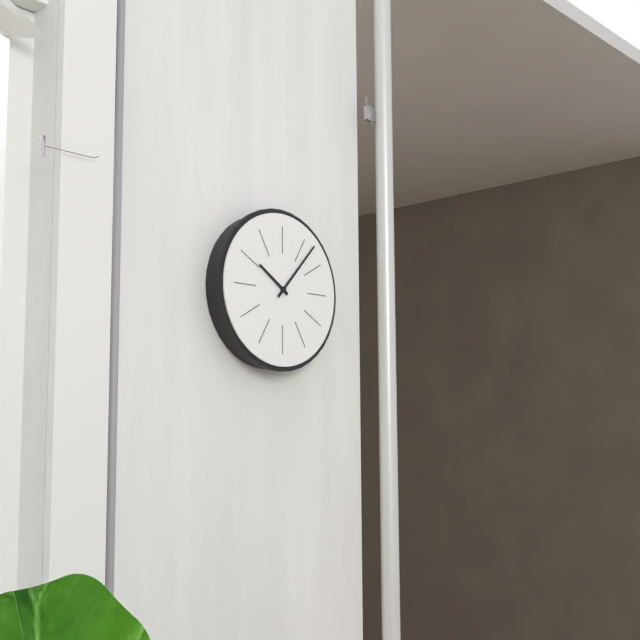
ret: {"hour": 10, "minute": 7}
